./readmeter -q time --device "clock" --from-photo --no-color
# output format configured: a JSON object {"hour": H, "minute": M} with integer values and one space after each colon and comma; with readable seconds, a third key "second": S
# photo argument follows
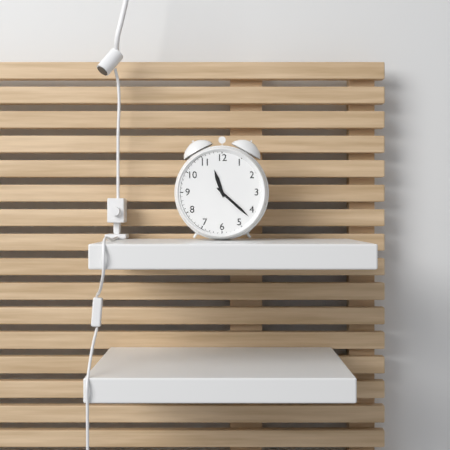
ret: {"hour": 11, "minute": 22}
